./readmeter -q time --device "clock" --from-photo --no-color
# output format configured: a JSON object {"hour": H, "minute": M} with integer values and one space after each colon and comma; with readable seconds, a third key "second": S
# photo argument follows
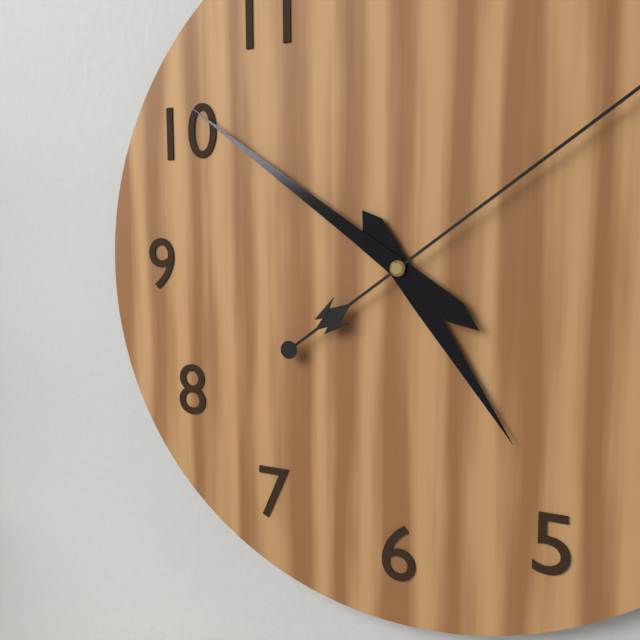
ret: {"hour": 4, "minute": 51}
